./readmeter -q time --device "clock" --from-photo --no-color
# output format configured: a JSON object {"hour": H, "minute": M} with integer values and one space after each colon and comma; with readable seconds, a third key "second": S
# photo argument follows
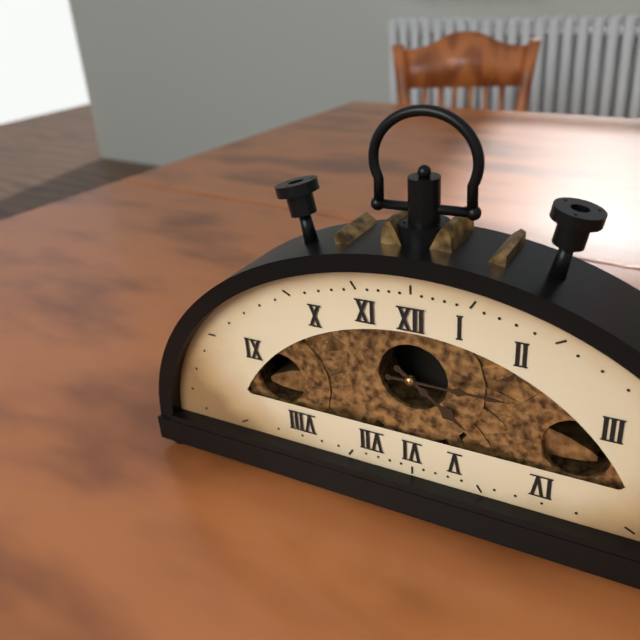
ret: {"hour": 4, "minute": 15}
